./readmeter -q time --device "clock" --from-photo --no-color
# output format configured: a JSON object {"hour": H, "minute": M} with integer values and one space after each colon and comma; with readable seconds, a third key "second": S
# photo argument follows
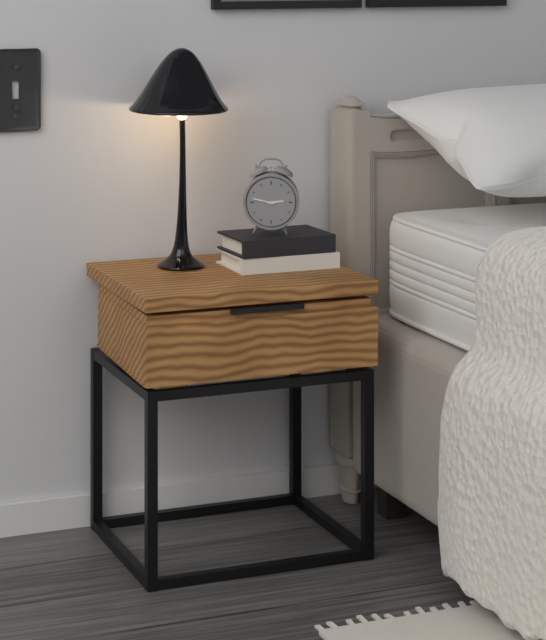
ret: {"hour": 2, "minute": 47}
